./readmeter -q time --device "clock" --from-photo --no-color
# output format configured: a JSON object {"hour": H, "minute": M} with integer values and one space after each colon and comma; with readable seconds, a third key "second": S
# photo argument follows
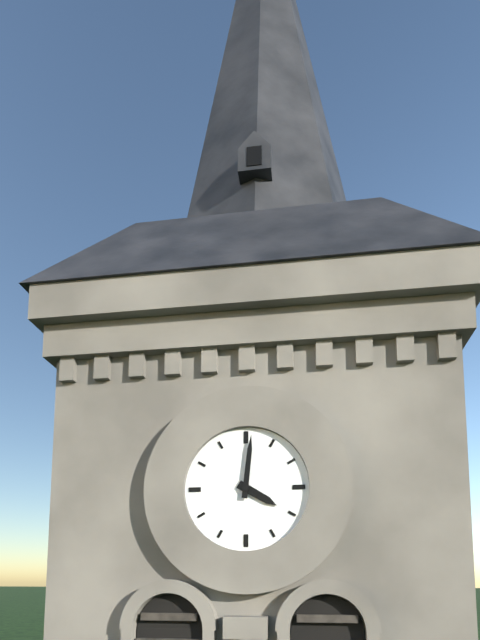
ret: {"hour": 4, "minute": 1}
